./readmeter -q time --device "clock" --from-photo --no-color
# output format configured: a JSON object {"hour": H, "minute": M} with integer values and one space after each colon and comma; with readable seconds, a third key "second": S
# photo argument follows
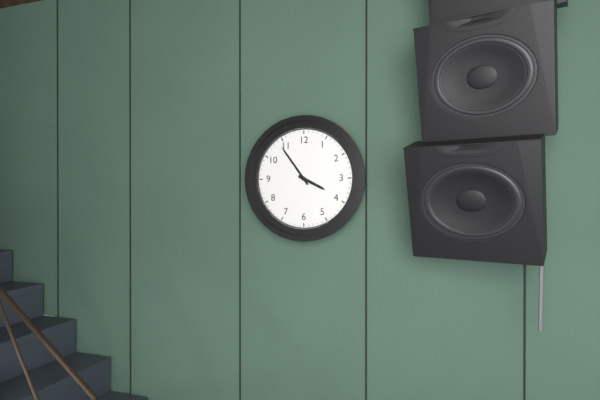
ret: {"hour": 3, "minute": 54}
